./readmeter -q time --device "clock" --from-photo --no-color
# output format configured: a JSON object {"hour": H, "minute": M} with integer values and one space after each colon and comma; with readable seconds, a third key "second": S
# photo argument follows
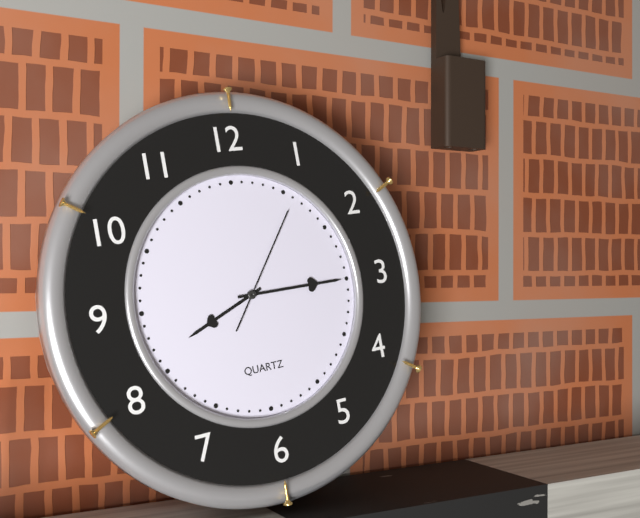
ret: {"hour": 8, "minute": 15, "second": 6}
